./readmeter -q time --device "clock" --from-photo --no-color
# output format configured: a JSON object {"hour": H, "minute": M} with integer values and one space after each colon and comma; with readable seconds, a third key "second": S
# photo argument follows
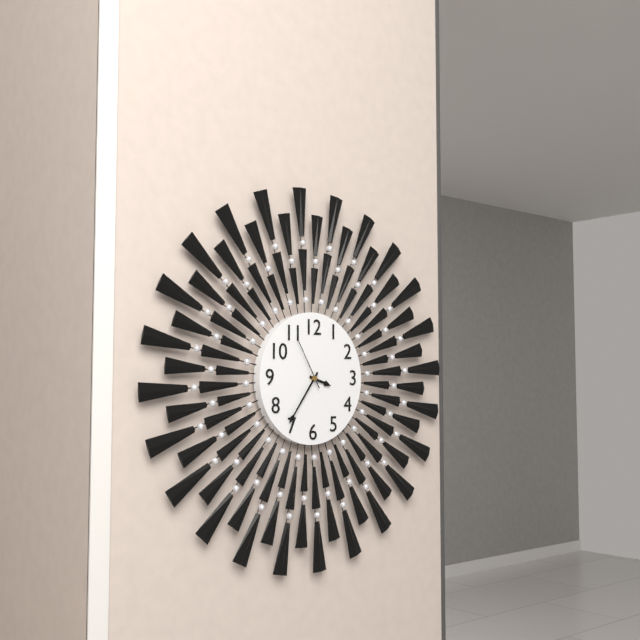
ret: {"hour": 3, "minute": 36, "second": 55}
